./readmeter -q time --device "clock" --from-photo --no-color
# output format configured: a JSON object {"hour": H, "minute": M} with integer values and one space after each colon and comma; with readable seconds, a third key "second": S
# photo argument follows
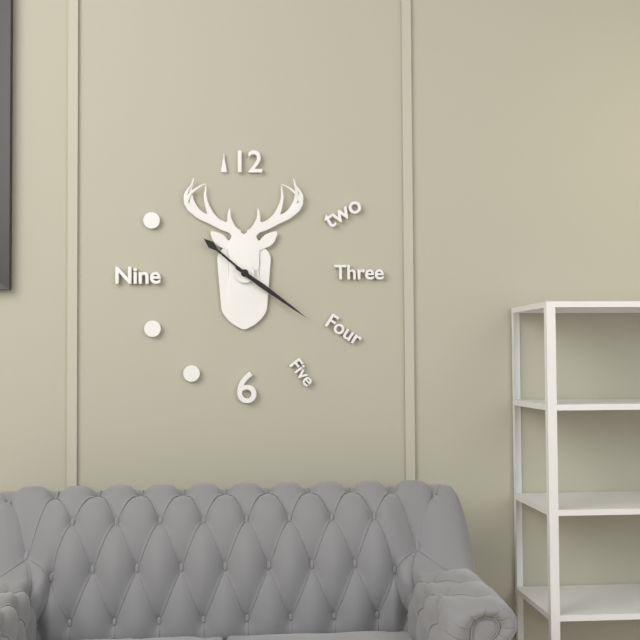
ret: {"hour": 10, "minute": 21}
